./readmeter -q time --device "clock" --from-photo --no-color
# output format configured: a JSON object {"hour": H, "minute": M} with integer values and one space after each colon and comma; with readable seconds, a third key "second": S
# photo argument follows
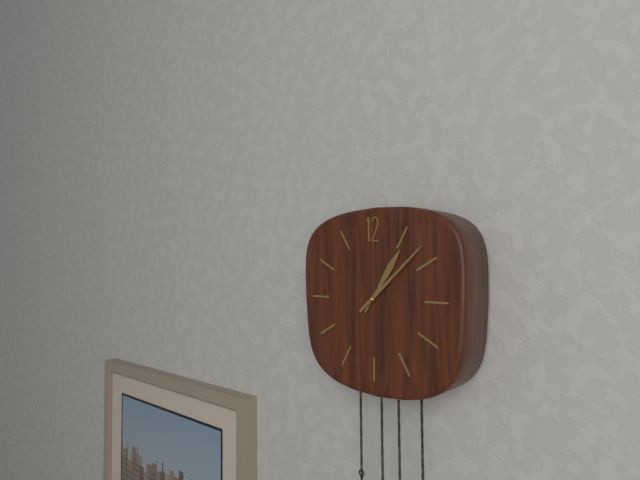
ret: {"hour": 1, "minute": 8}
